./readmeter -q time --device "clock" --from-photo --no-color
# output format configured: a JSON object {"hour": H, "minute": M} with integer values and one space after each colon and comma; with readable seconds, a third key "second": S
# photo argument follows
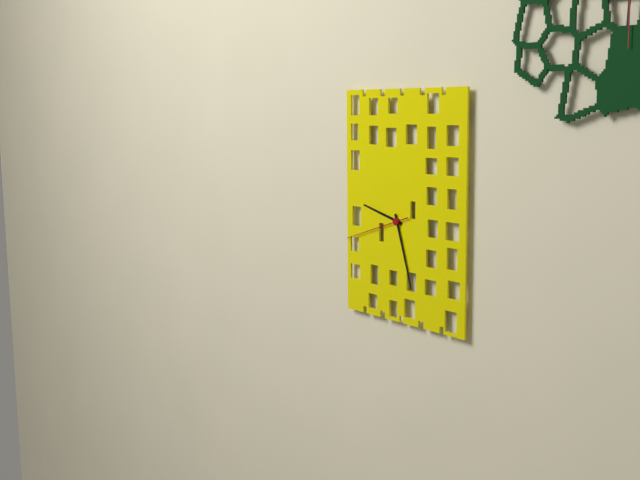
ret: {"hour": 9, "minute": 27, "second": 42}
